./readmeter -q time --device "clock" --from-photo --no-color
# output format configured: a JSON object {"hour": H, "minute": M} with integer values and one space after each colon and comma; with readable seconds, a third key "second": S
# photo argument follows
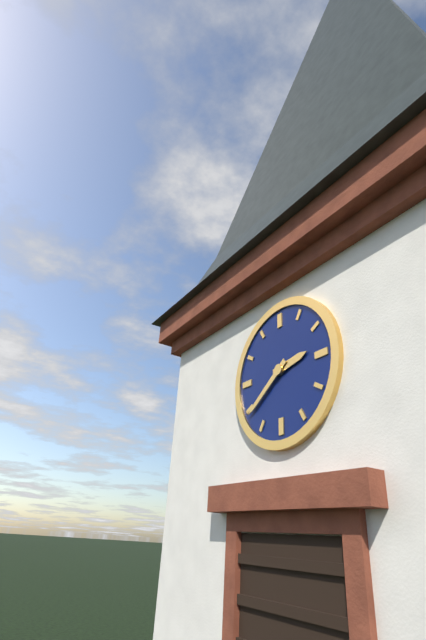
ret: {"hour": 2, "minute": 39}
